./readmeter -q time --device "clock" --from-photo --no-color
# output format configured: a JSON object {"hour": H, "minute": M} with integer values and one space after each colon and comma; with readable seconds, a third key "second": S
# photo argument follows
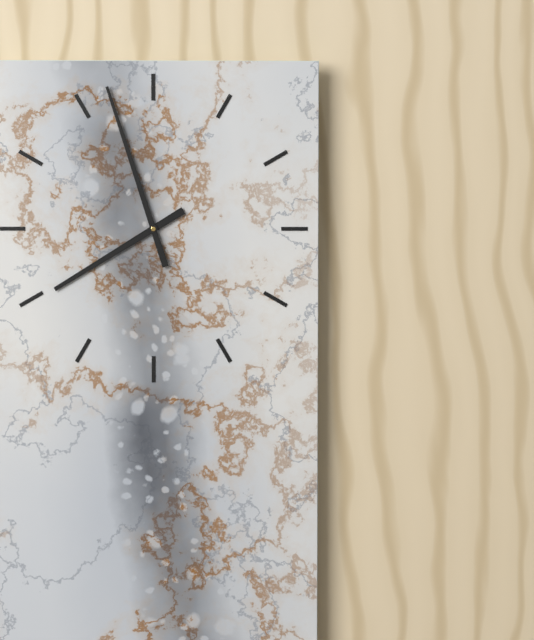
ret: {"hour": 7, "minute": 57}
